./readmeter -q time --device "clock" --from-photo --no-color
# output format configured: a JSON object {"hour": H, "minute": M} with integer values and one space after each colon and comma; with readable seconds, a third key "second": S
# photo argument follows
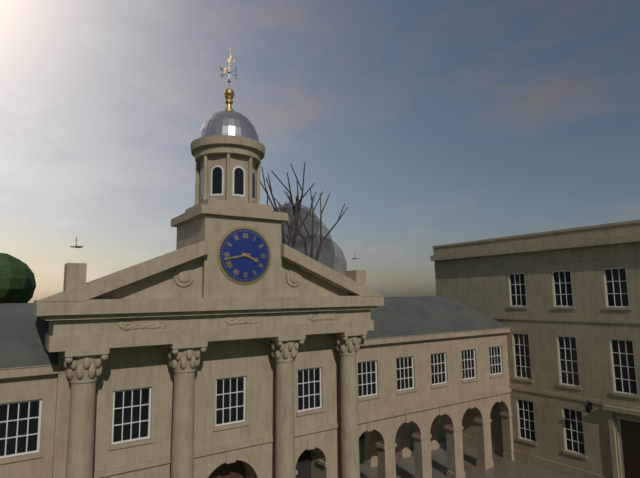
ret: {"hour": 3, "minute": 43}
